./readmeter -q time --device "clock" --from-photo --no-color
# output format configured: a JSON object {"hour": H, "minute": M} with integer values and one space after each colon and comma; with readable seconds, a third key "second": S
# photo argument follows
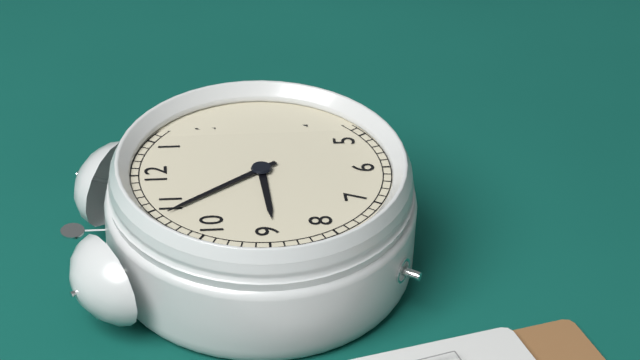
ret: {"hour": 8, "minute": 54}
